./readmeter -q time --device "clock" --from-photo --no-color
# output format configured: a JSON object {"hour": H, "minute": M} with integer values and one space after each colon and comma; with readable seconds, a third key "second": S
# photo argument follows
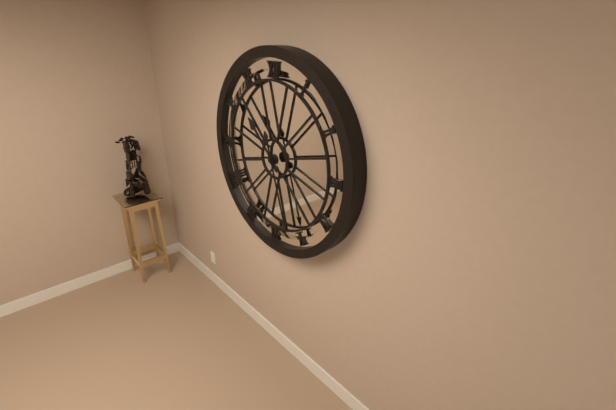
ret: {"hour": 10, "minute": 27}
